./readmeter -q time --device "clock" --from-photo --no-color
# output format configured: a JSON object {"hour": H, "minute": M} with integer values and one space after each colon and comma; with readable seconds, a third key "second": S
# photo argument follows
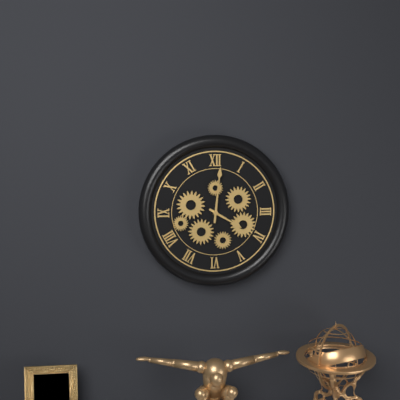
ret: {"hour": 4, "minute": 1}
